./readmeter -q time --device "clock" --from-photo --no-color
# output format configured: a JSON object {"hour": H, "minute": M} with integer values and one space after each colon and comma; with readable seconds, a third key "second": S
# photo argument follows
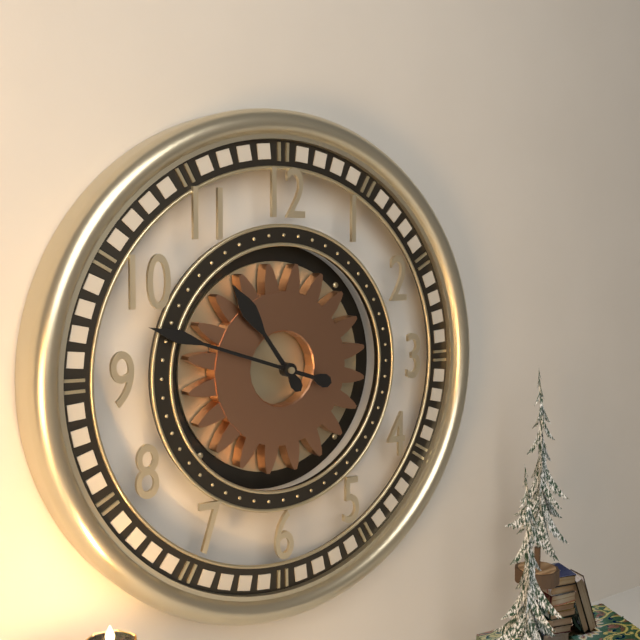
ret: {"hour": 10, "minute": 48}
